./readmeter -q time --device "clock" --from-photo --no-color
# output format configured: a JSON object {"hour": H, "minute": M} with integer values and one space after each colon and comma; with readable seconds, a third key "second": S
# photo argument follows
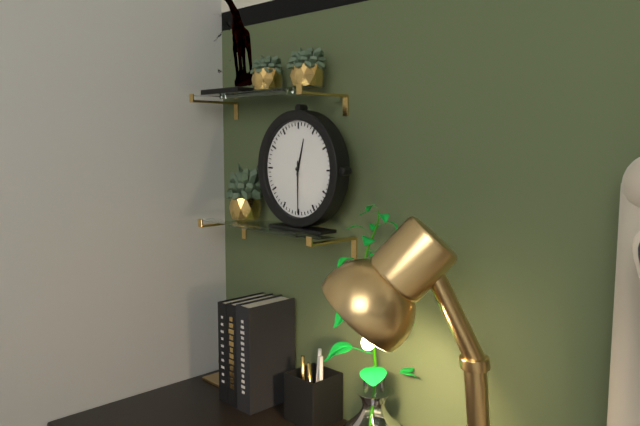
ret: {"hour": 12, "minute": 30}
